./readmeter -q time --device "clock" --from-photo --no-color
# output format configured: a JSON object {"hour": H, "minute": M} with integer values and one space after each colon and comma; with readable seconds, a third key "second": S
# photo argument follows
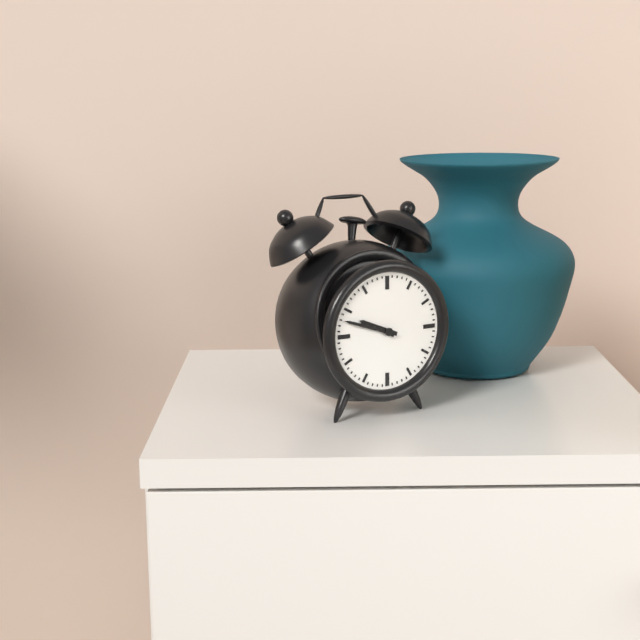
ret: {"hour": 9, "minute": 48}
